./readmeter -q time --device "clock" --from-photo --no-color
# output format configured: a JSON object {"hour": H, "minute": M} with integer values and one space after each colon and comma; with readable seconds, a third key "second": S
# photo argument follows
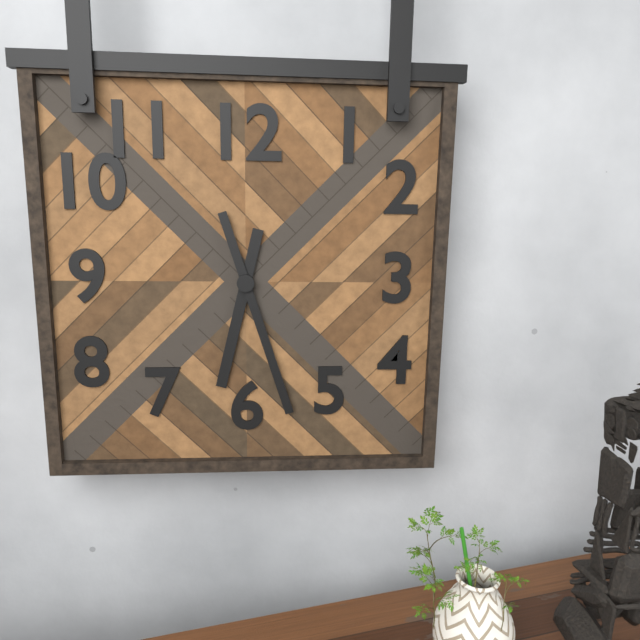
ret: {"hour": 6, "minute": 27}
